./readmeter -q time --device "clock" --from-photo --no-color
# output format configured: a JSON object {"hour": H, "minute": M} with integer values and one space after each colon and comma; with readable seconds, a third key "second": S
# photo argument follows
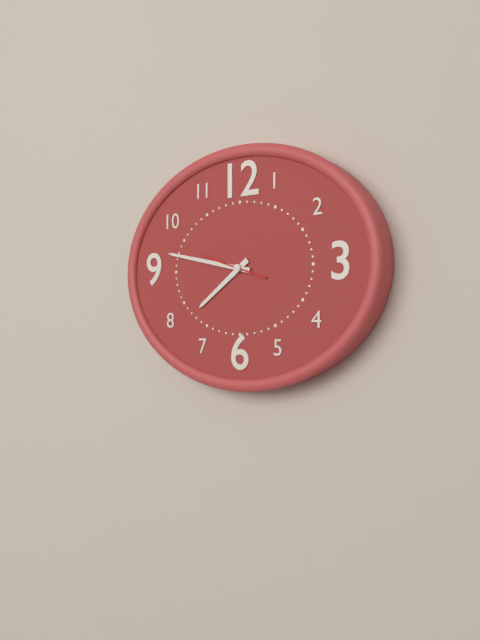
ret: {"hour": 7, "minute": 47}
